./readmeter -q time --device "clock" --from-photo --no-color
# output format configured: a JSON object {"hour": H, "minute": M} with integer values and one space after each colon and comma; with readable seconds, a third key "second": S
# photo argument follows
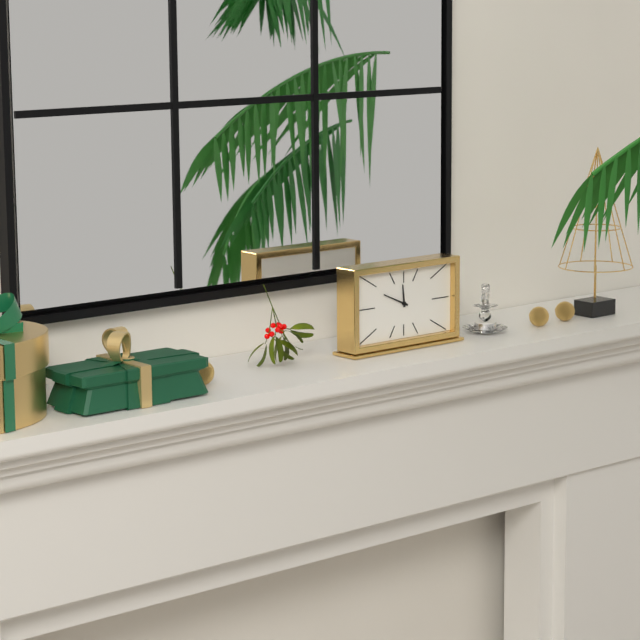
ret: {"hour": 11, "minute": 49}
